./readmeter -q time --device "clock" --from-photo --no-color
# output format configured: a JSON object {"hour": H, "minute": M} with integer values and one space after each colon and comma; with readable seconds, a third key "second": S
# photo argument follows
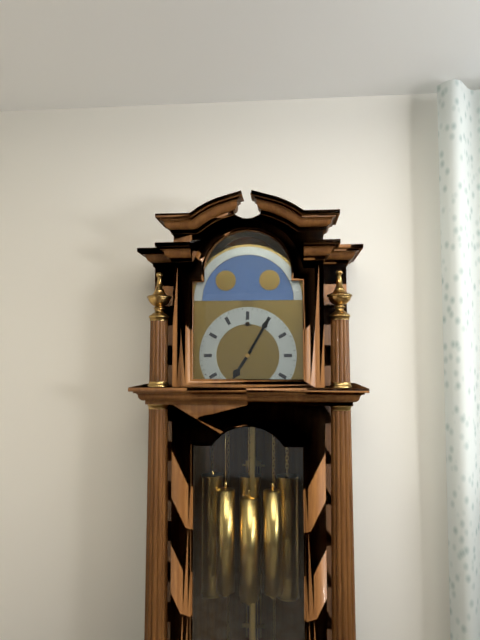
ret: {"hour": 7, "minute": 5}
